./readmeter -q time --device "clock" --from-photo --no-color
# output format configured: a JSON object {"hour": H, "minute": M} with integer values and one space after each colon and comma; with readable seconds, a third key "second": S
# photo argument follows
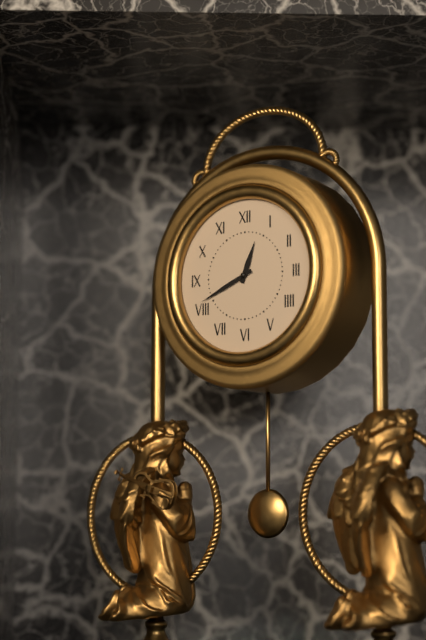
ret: {"hour": 12, "minute": 41}
